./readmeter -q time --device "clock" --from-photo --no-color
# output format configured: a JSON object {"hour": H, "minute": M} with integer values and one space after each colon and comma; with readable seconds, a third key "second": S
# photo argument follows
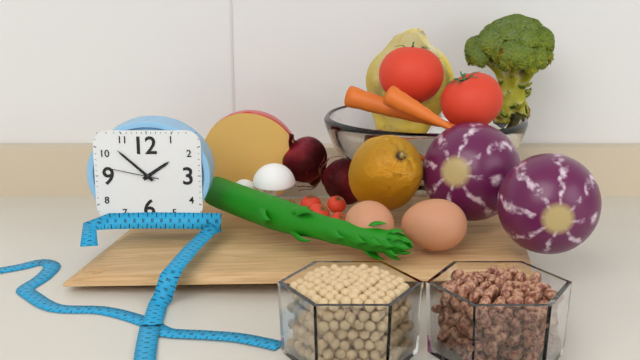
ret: {"hour": 1, "minute": 52, "second": 47}
